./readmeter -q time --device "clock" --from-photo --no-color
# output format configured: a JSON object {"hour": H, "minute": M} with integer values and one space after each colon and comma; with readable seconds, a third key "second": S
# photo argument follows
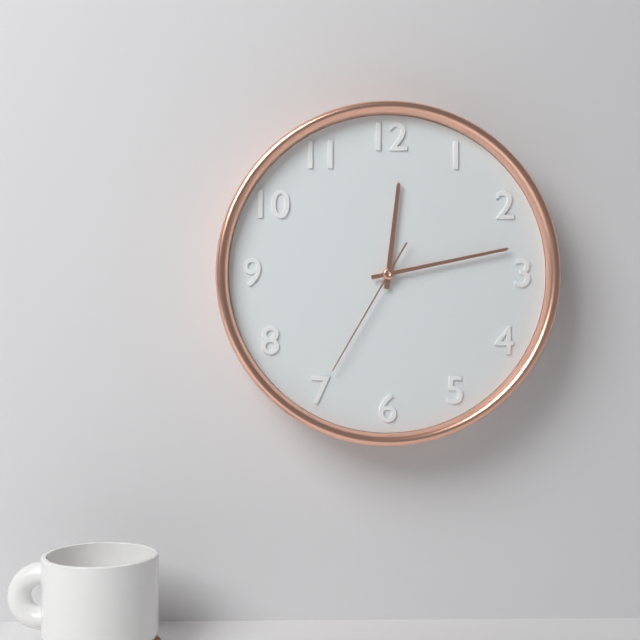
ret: {"hour": 12, "minute": 13, "second": 35}
